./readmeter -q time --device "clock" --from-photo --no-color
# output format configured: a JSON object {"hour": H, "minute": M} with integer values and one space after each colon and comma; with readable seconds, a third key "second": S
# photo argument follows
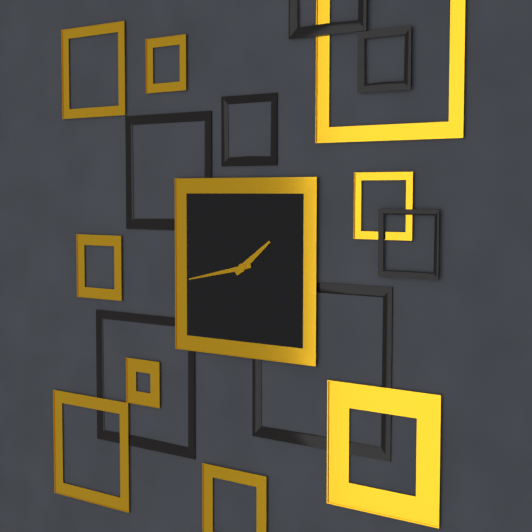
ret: {"hour": 1, "minute": 43}
